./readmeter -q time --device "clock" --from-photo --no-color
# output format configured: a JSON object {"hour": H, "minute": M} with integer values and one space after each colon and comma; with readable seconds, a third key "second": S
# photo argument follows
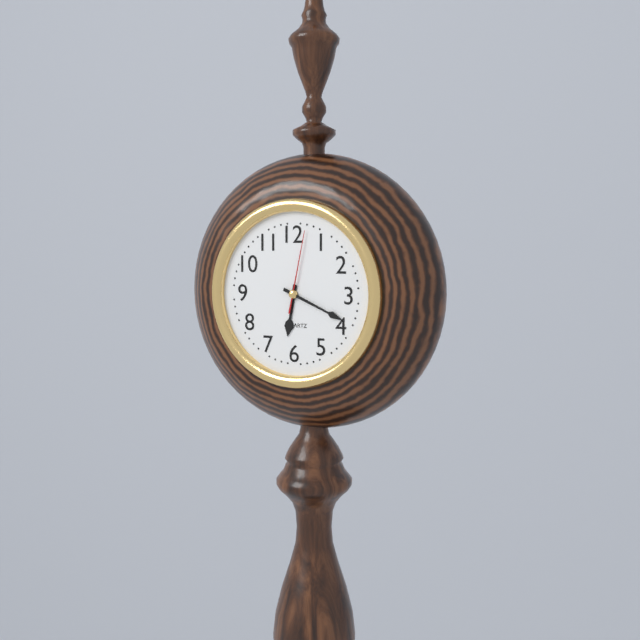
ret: {"hour": 6, "minute": 19, "second": 2}
